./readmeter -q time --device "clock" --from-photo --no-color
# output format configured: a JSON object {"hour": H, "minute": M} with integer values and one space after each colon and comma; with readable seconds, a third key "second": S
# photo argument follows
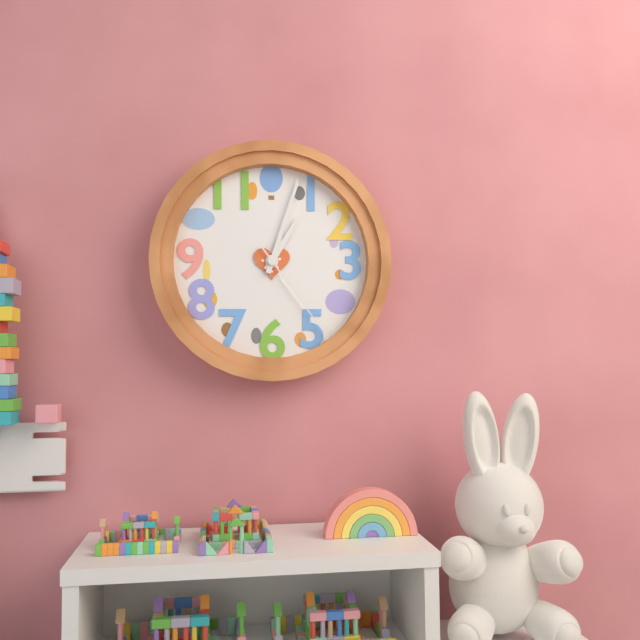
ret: {"hour": 1, "minute": 3, "second": 24}
